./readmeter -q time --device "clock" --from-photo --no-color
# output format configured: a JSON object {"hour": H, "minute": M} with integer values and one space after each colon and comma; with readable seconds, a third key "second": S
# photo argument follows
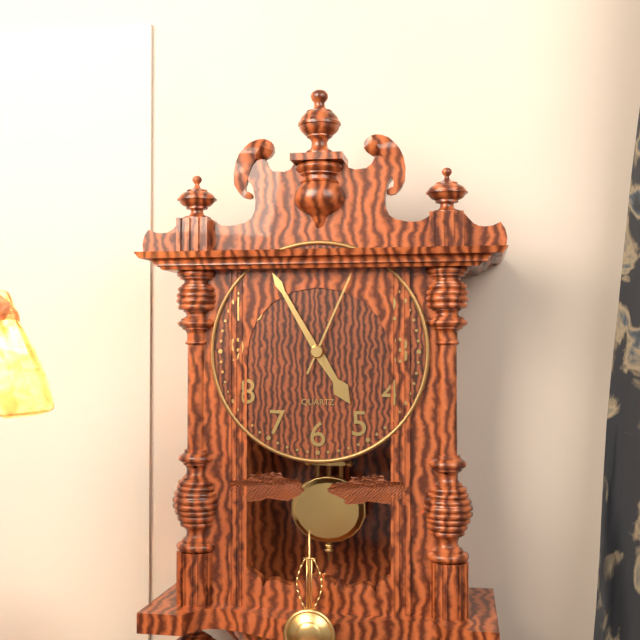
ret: {"hour": 4, "minute": 55, "second": 4}
